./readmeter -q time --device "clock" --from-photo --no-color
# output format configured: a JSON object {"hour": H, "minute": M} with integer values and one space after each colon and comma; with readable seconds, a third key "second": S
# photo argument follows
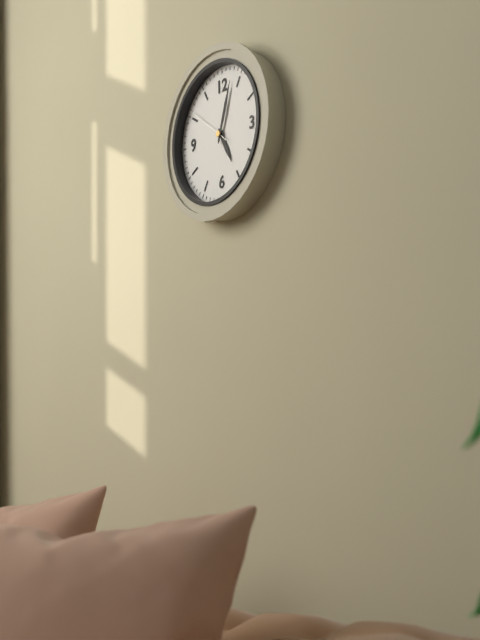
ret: {"hour": 5, "minute": 3}
